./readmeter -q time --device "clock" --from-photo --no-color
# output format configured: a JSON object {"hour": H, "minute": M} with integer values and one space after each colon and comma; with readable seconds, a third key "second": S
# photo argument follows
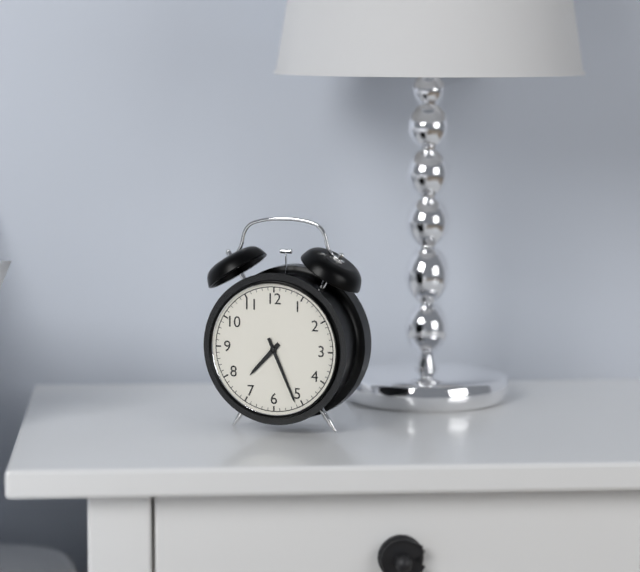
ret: {"hour": 7, "minute": 26}
